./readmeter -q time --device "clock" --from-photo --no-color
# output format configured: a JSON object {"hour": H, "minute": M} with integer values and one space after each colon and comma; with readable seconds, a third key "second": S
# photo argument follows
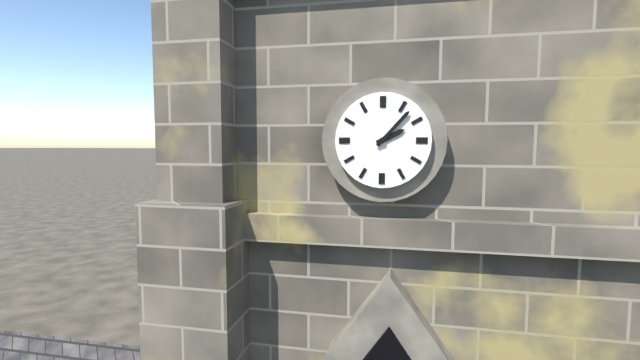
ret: {"hour": 2, "minute": 7}
